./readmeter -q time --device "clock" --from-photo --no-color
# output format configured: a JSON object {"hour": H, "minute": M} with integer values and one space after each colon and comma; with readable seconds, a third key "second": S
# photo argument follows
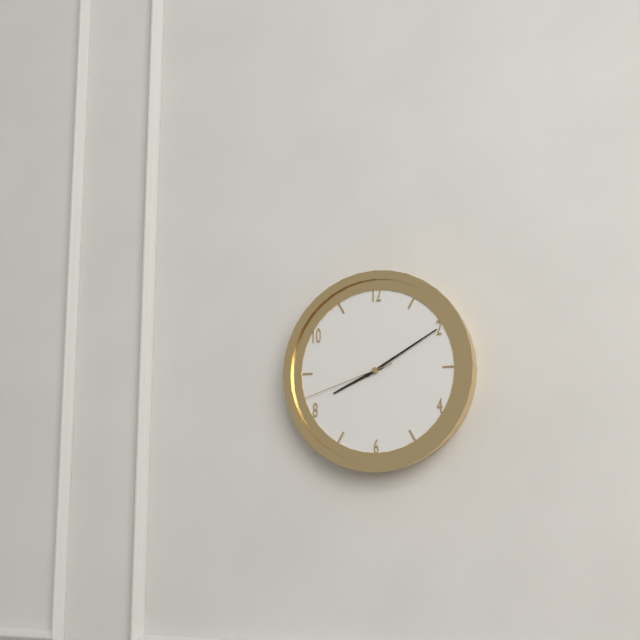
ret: {"hour": 8, "minute": 10, "second": 42}
